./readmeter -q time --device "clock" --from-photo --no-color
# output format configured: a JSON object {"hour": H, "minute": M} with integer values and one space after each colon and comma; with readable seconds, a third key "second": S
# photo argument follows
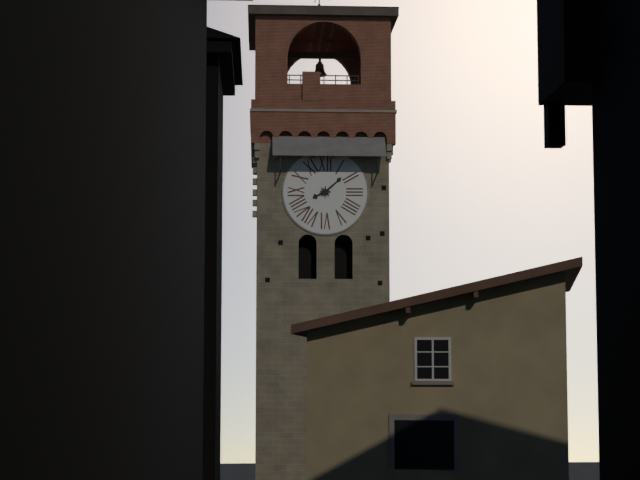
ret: {"hour": 8, "minute": 8}
